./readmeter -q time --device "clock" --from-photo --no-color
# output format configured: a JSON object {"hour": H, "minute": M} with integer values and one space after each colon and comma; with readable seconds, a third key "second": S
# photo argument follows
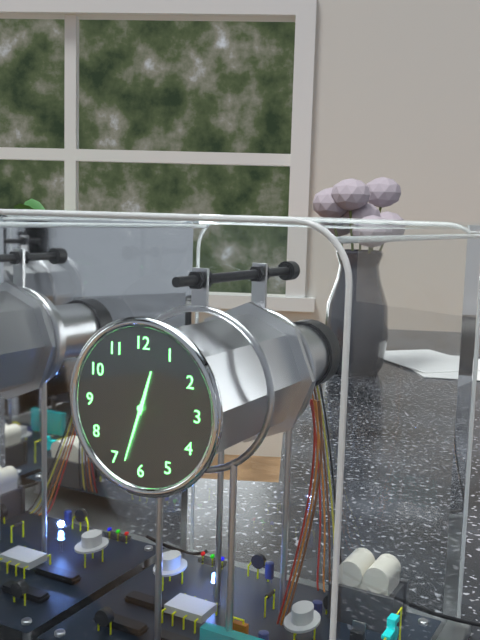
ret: {"hour": 12, "minute": 33}
